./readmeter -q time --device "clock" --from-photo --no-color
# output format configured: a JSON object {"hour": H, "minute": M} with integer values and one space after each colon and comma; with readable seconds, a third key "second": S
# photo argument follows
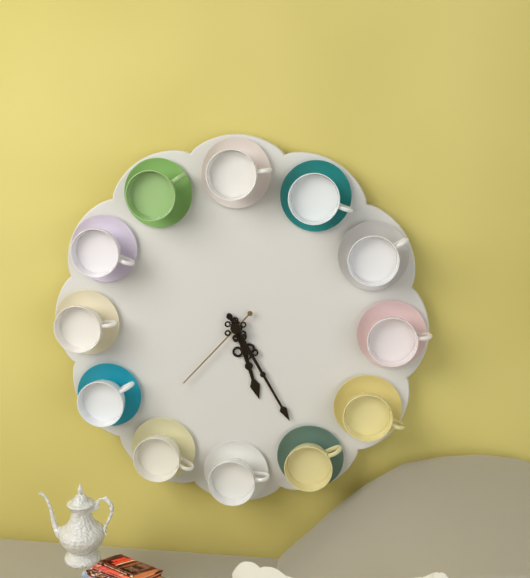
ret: {"hour": 5, "minute": 25, "second": 37}
